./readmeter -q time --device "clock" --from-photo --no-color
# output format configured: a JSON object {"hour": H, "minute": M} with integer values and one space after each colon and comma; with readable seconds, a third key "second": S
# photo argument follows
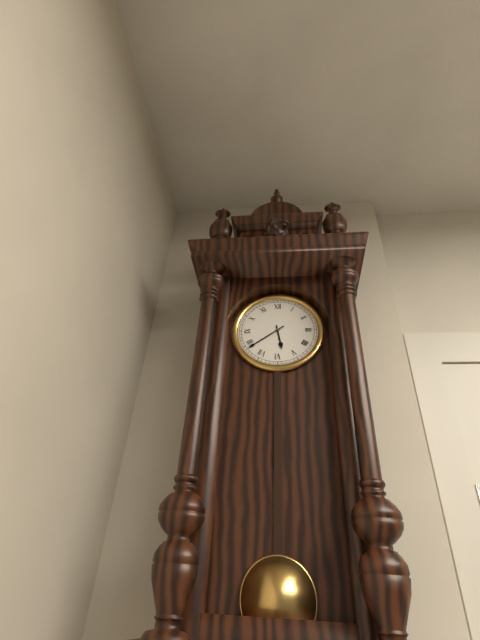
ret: {"hour": 5, "minute": 39}
